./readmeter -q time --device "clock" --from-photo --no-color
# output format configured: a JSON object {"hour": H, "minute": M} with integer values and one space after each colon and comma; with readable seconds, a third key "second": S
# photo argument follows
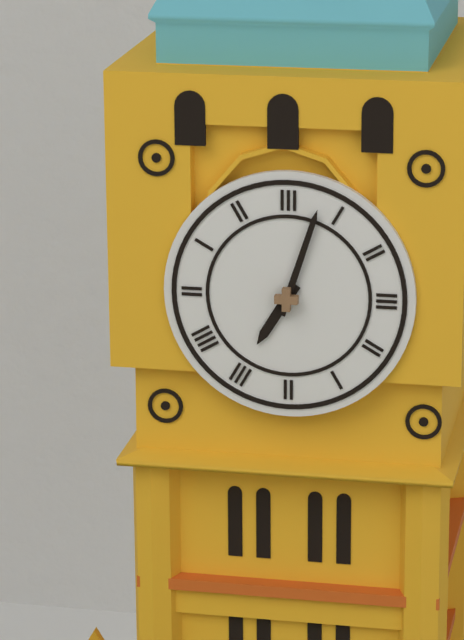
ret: {"hour": 7, "minute": 3}
